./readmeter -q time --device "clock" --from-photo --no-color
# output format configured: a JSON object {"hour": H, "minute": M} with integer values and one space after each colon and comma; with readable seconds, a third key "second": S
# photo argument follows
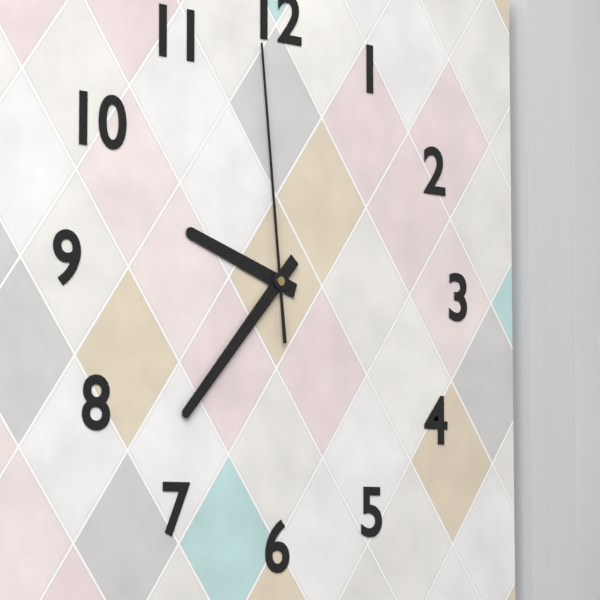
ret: {"hour": 9, "minute": 37, "second": 59}
